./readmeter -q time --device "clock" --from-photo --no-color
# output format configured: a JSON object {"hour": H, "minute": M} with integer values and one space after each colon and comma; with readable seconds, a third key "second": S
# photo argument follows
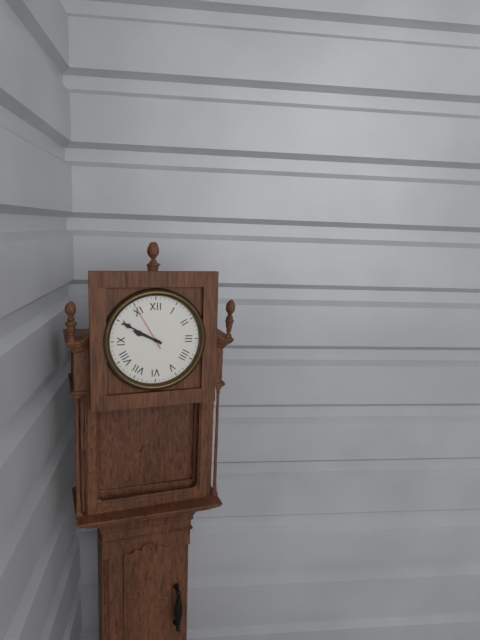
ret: {"hour": 9, "minute": 50, "second": 55}
